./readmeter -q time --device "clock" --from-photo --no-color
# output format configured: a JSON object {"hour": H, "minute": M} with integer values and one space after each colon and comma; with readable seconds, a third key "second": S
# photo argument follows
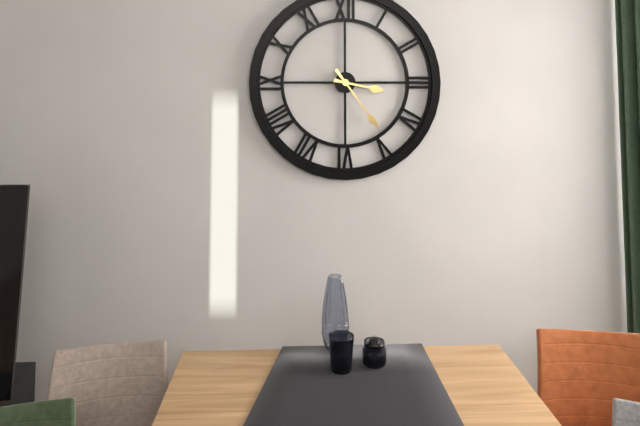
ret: {"hour": 3, "minute": 24}
